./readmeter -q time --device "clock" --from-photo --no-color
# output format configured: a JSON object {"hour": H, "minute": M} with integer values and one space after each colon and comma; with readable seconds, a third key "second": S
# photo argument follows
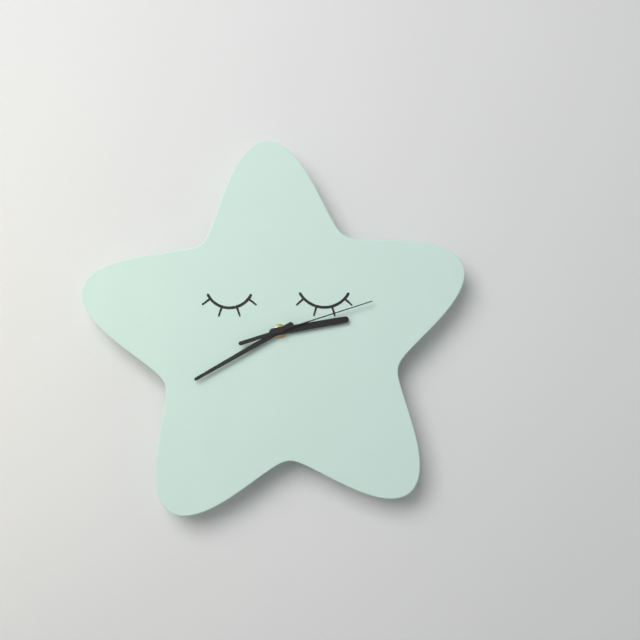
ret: {"hour": 2, "minute": 40, "second": 12}
